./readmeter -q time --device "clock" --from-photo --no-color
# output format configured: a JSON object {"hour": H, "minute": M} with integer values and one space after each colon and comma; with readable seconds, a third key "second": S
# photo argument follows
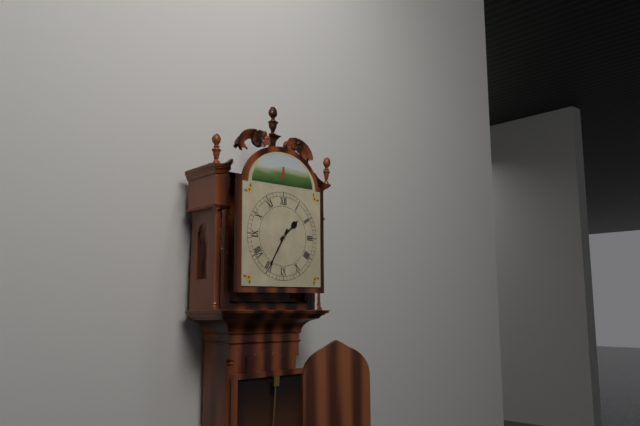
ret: {"hour": 1, "minute": 35}
